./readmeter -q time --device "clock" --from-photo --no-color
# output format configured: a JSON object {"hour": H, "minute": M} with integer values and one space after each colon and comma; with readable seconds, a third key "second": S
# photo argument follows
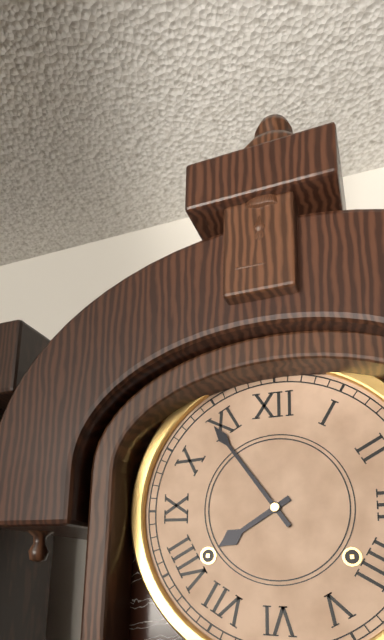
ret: {"hour": 7, "minute": 54}
